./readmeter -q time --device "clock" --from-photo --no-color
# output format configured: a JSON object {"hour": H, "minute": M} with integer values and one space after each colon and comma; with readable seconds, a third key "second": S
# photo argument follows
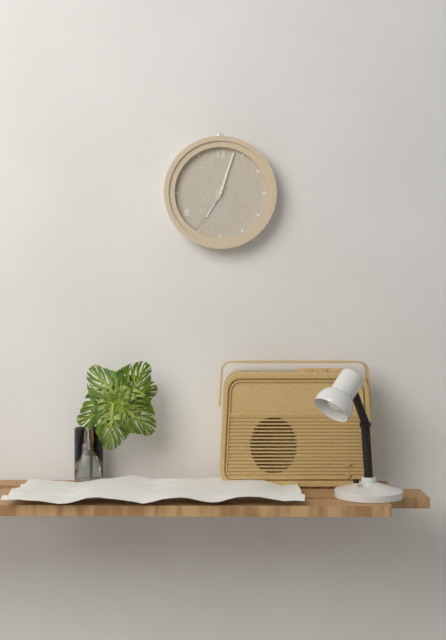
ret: {"hour": 7, "minute": 3, "second": 36}
